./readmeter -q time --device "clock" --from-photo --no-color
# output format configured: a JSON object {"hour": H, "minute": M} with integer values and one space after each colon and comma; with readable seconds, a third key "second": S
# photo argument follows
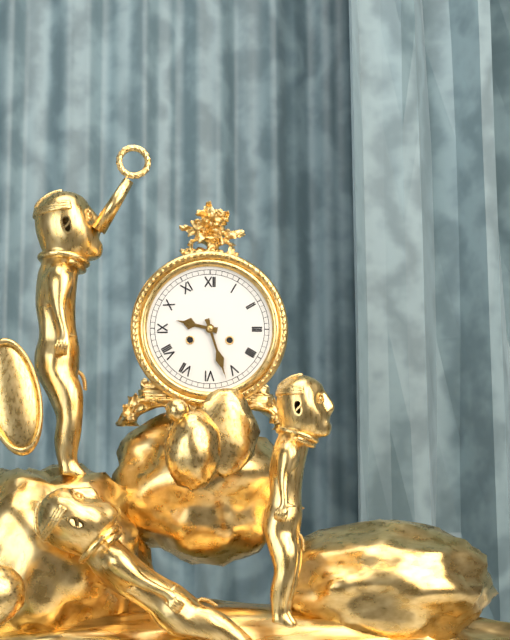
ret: {"hour": 9, "minute": 27}
